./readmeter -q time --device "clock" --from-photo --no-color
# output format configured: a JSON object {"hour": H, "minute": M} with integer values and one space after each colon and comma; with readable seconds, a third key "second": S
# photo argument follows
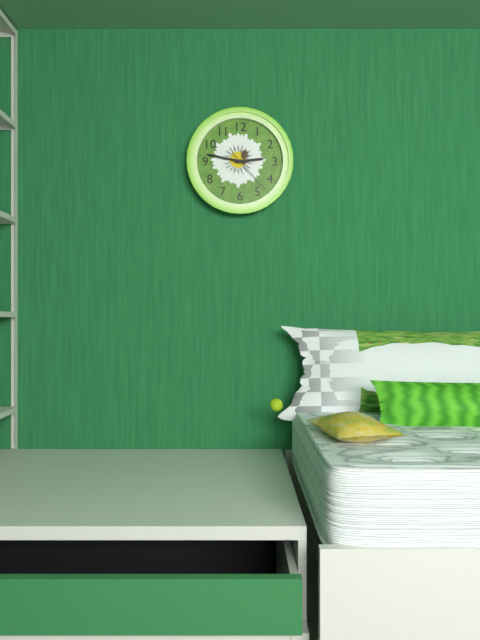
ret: {"hour": 2, "minute": 47}
